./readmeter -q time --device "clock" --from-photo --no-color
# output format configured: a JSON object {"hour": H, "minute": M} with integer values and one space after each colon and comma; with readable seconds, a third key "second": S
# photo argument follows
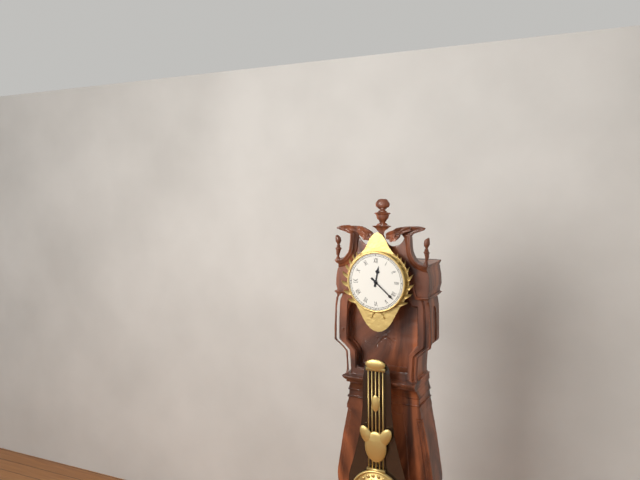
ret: {"hour": 12, "minute": 22}
